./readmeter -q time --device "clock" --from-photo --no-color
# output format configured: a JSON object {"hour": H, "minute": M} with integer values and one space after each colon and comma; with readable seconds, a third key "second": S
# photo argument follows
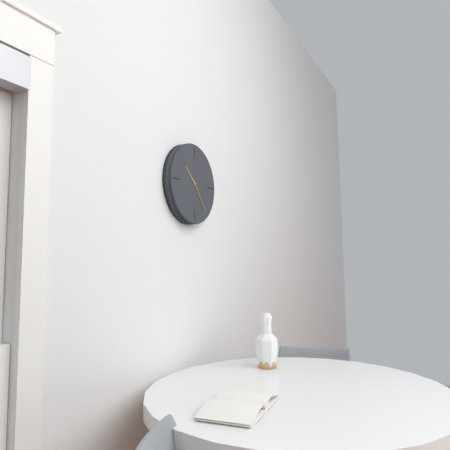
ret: {"hour": 10, "minute": 24}
